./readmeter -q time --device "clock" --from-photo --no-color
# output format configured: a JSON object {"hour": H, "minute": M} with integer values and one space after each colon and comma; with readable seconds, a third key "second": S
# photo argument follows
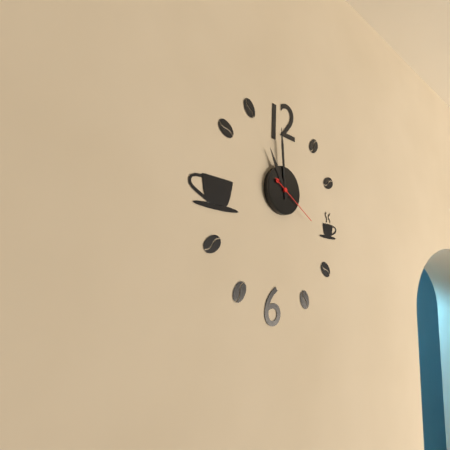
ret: {"hour": 10, "minute": 59, "second": 20}
